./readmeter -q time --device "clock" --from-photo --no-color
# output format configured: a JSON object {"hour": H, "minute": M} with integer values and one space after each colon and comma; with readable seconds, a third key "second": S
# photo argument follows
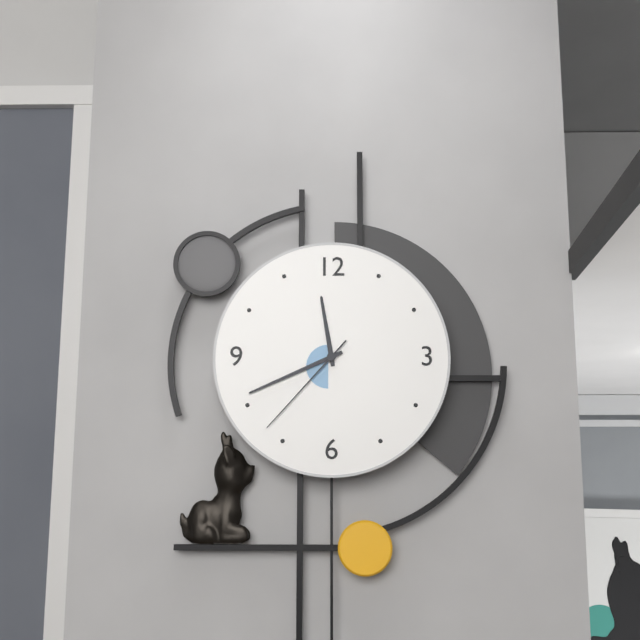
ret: {"hour": 11, "minute": 41, "second": 37}
